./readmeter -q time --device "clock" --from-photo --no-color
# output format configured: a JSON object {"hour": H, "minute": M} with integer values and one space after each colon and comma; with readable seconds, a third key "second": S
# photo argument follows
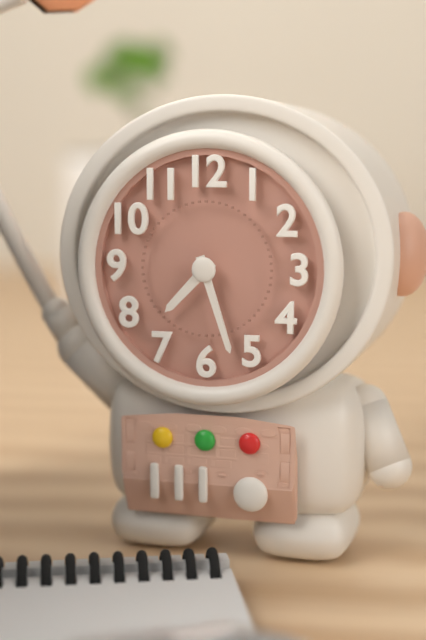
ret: {"hour": 7, "minute": 27}
